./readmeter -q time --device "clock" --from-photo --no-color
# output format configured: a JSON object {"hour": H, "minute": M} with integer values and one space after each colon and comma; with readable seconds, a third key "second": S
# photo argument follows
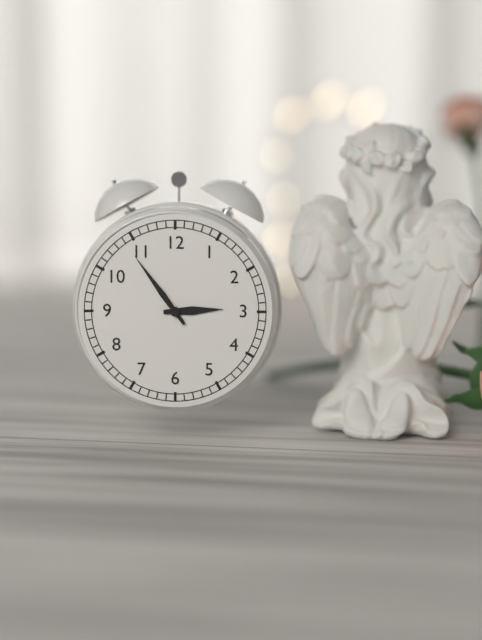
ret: {"hour": 2, "minute": 54}
